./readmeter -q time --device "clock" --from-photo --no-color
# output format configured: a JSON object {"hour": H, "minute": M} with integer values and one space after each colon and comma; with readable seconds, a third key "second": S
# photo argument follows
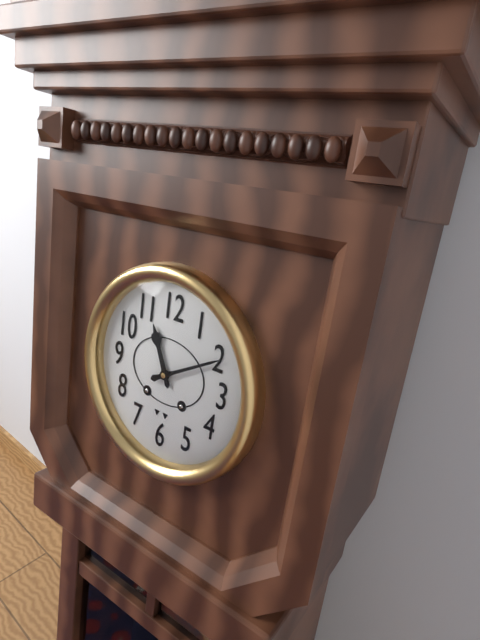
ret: {"hour": 11, "minute": 10}
